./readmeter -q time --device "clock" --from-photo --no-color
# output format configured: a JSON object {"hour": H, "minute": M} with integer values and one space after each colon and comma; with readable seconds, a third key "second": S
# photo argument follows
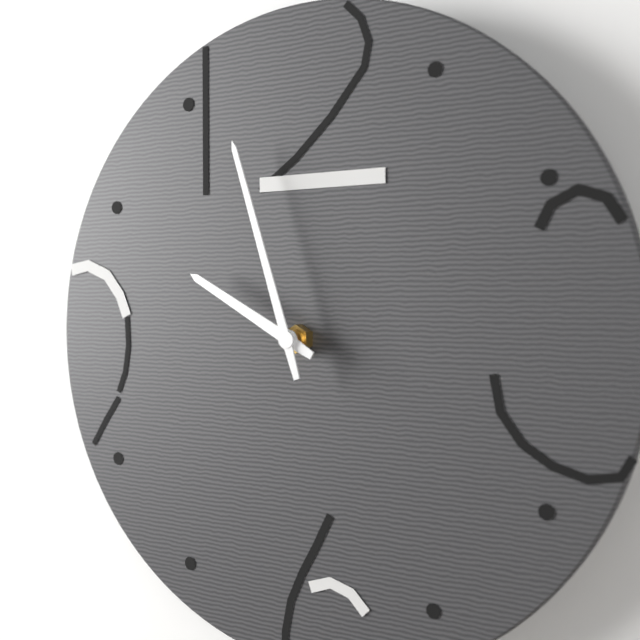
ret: {"hour": 9, "minute": 57}
